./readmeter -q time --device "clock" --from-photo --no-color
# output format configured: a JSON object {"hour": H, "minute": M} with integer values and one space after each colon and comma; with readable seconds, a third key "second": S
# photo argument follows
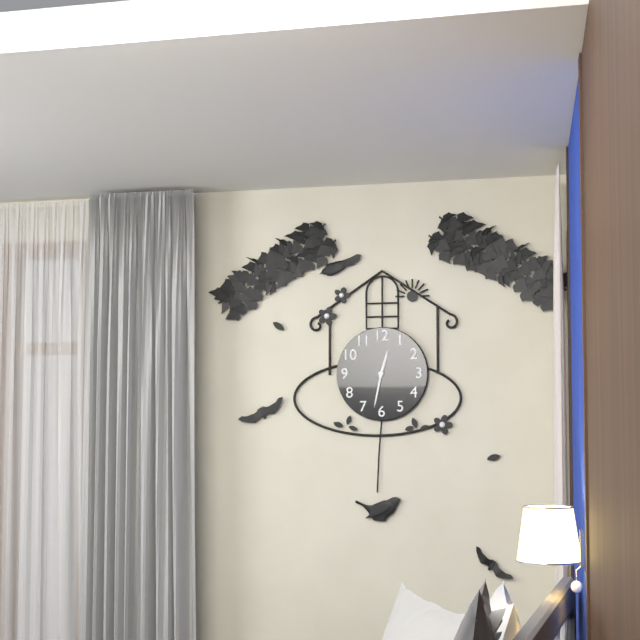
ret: {"hour": 12, "minute": 32}
